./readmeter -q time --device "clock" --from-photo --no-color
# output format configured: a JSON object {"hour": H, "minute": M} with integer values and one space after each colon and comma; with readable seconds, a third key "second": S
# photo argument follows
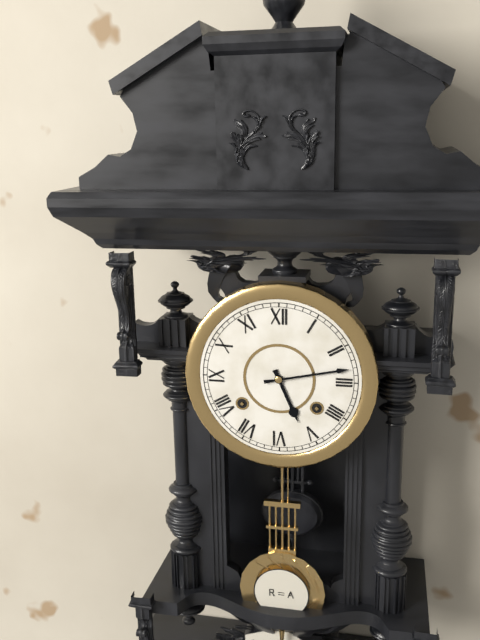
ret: {"hour": 5, "minute": 13}
